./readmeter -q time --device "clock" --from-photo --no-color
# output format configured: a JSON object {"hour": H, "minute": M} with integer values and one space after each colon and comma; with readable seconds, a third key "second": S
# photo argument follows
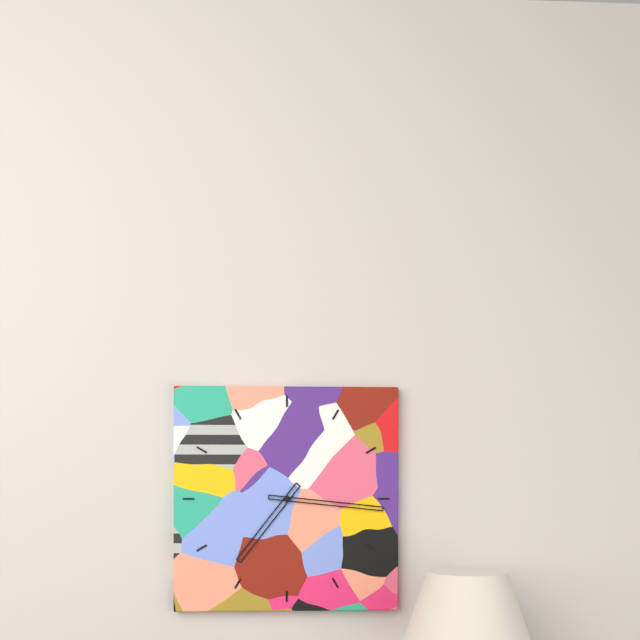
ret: {"hour": 7, "minute": 16}
